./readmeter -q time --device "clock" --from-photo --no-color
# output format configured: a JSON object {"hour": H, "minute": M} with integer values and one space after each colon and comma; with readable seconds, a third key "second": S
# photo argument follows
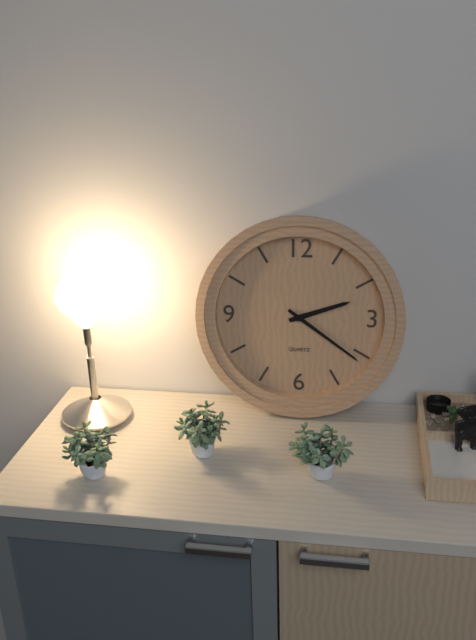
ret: {"hour": 2, "minute": 21}
